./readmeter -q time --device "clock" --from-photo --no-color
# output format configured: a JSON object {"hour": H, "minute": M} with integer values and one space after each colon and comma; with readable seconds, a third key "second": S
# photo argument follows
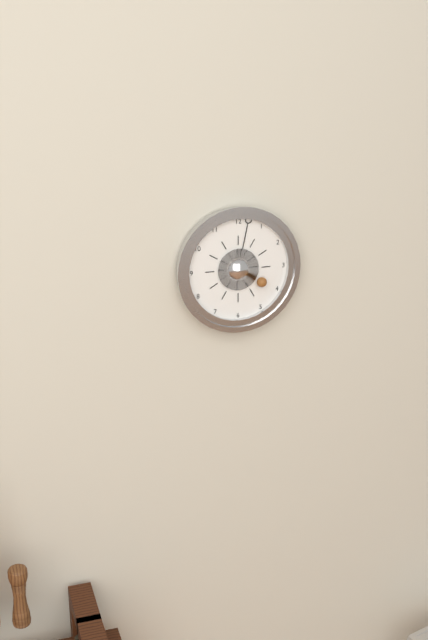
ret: {"hour": 4, "minute": 2}
